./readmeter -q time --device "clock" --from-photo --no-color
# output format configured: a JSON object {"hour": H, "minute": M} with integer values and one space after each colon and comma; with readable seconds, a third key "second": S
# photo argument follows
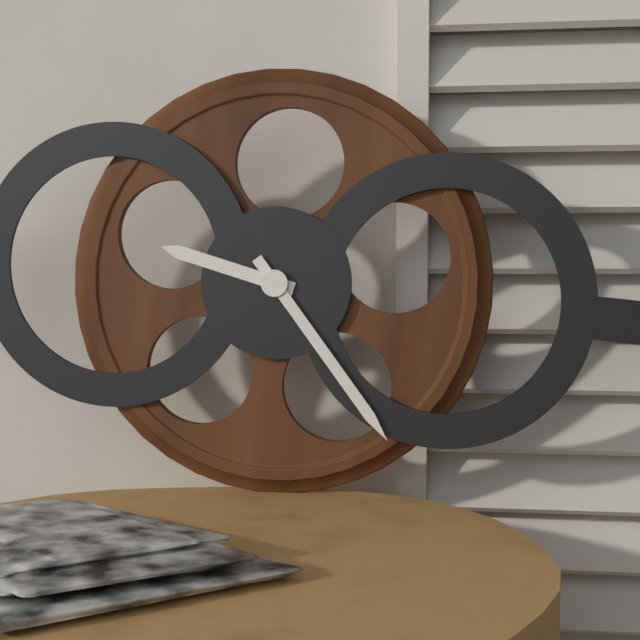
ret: {"hour": 9, "minute": 23}
